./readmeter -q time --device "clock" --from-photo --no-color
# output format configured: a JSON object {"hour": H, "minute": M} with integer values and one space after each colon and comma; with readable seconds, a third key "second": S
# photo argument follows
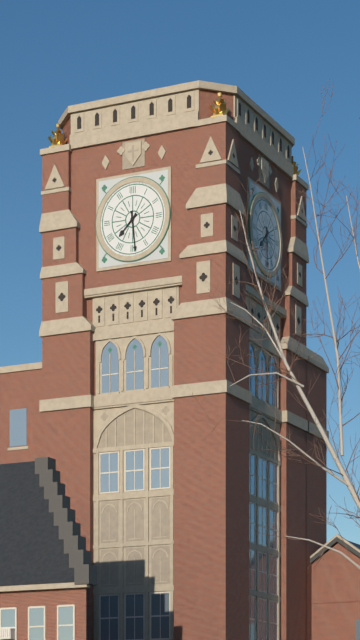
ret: {"hour": 7, "minute": 29}
